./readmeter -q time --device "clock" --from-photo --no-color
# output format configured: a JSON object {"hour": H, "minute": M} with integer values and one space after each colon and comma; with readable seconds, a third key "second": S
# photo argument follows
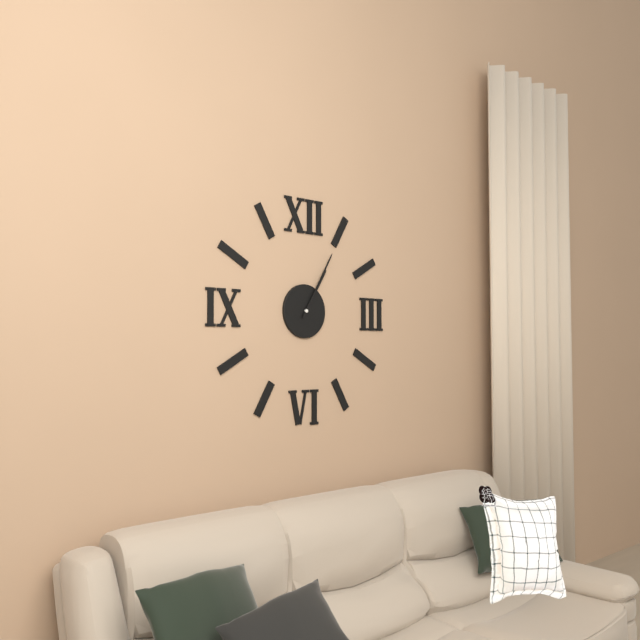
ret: {"hour": 1, "minute": 5}
